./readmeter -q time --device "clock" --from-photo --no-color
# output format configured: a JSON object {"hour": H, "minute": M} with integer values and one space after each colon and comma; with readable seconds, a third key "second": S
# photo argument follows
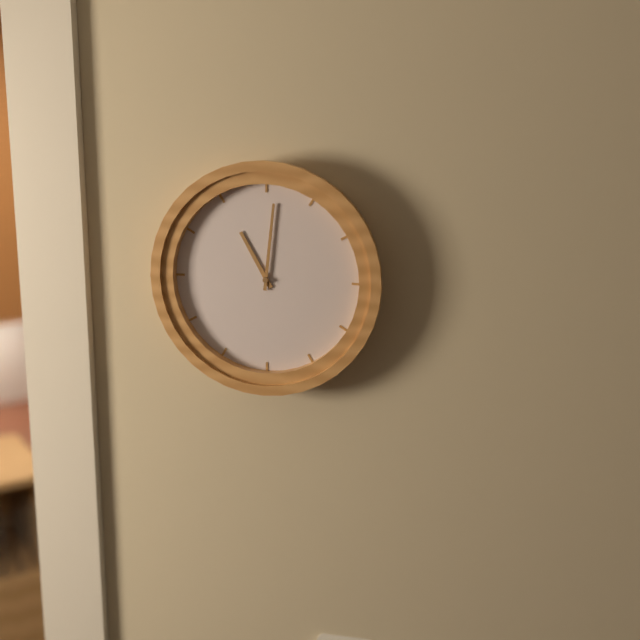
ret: {"hour": 11, "minute": 1}
